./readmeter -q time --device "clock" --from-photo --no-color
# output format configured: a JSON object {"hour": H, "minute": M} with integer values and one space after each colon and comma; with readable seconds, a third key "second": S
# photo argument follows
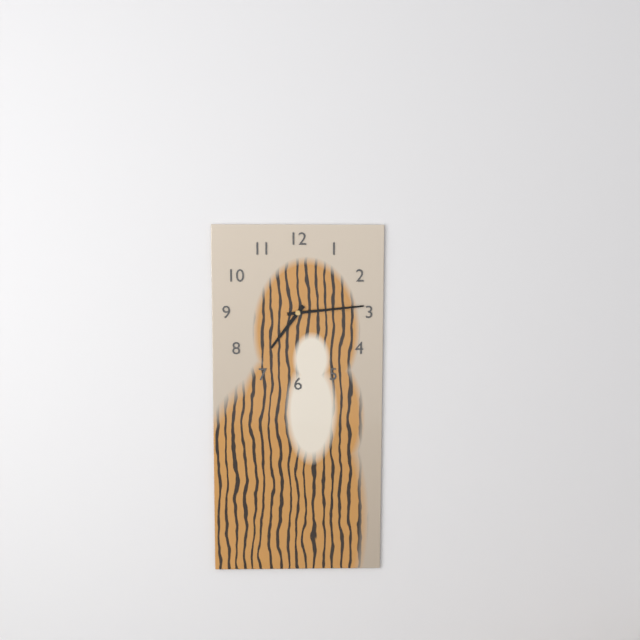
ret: {"hour": 7, "minute": 14}
